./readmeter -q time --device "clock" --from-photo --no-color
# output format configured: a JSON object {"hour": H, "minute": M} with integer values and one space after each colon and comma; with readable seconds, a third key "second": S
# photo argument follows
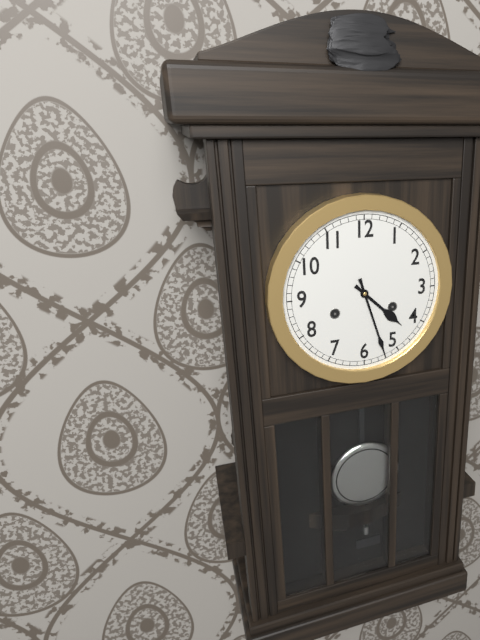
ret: {"hour": 4, "minute": 27}
